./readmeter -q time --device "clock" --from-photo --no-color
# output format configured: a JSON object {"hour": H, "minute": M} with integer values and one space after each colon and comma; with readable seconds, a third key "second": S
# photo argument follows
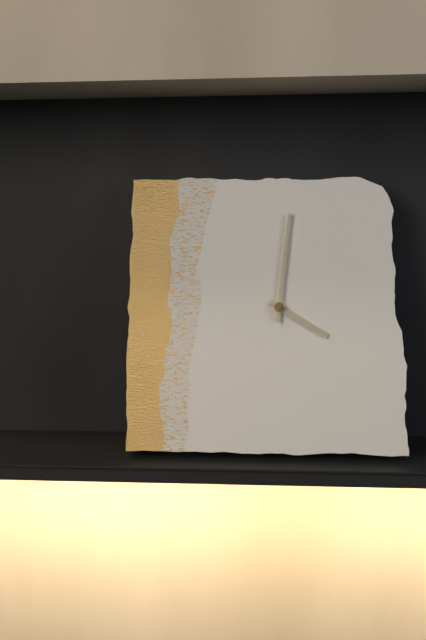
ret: {"hour": 4, "minute": 1}
